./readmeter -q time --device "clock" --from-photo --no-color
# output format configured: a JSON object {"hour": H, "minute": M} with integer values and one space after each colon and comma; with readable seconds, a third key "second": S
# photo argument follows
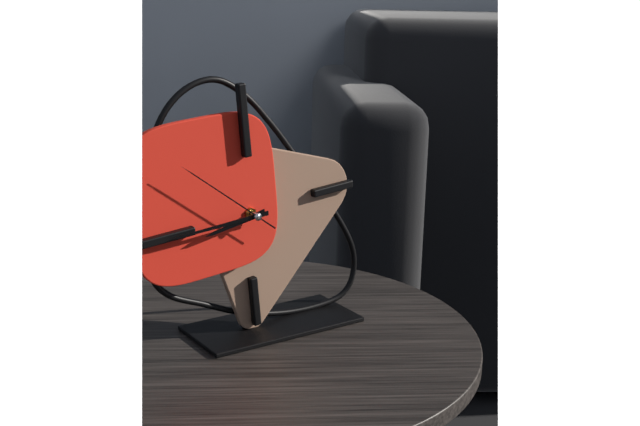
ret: {"hour": 8, "minute": 45, "second": 52}
